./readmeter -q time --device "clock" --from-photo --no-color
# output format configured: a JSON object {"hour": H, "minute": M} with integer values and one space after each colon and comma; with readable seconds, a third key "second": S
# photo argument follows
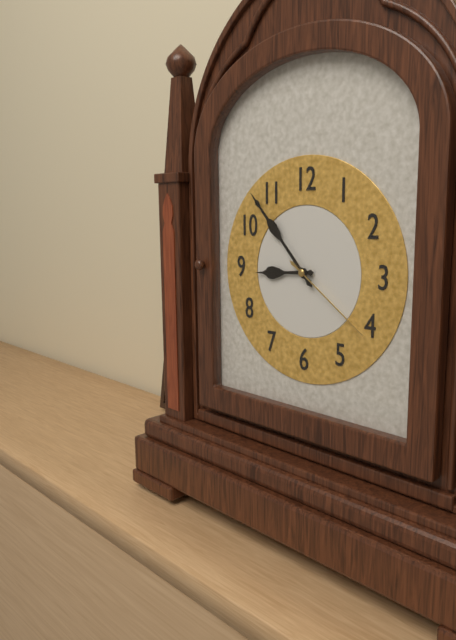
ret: {"hour": 8, "minute": 53, "second": 21}
